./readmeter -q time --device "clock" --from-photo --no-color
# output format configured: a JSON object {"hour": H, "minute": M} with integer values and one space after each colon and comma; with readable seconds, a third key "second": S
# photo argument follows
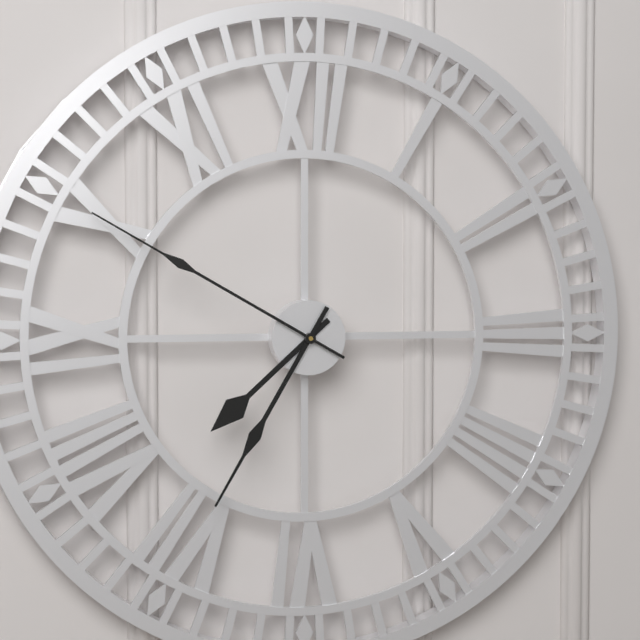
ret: {"hour": 7, "minute": 35, "second": 50}
